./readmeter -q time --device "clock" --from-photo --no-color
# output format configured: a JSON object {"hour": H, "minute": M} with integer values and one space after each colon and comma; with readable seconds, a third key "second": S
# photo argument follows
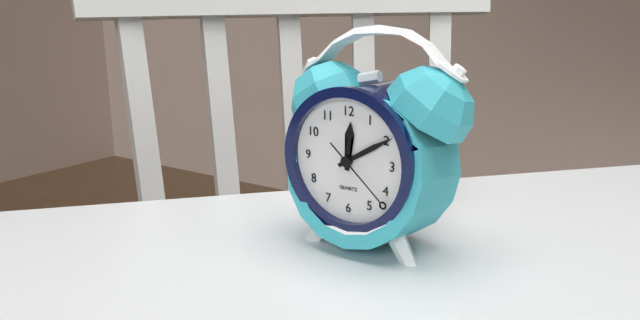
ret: {"hour": 12, "minute": 10, "second": 22}
